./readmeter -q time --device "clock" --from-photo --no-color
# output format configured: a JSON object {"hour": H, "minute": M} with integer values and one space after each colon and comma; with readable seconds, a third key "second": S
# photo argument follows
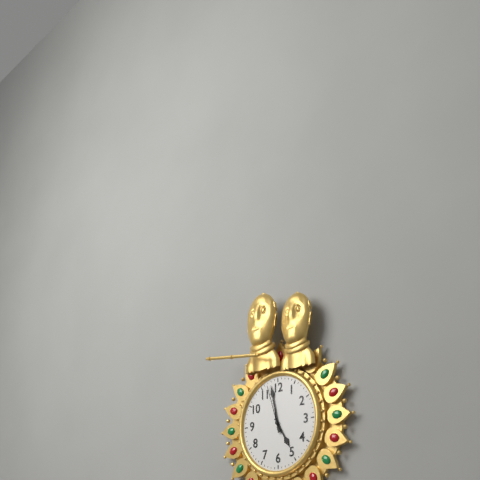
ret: {"hour": 4, "minute": 58}
